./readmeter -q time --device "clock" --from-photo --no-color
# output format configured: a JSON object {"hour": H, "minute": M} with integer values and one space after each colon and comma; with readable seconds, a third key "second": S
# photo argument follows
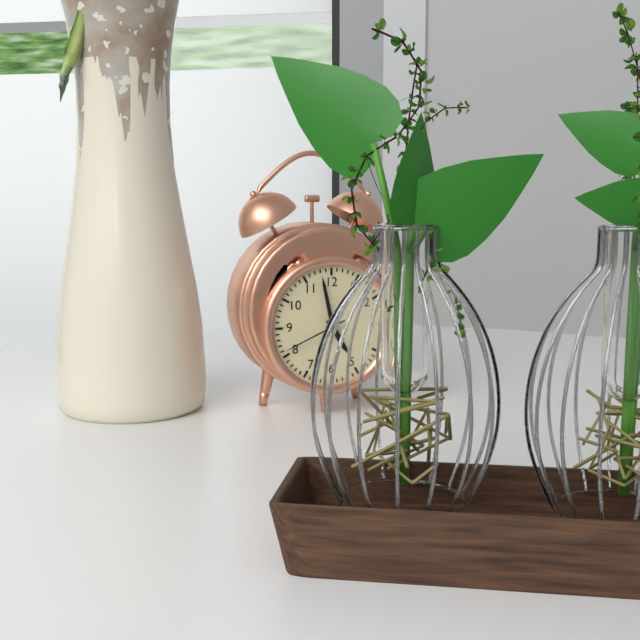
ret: {"hour": 4, "minute": 58, "second": 41}
